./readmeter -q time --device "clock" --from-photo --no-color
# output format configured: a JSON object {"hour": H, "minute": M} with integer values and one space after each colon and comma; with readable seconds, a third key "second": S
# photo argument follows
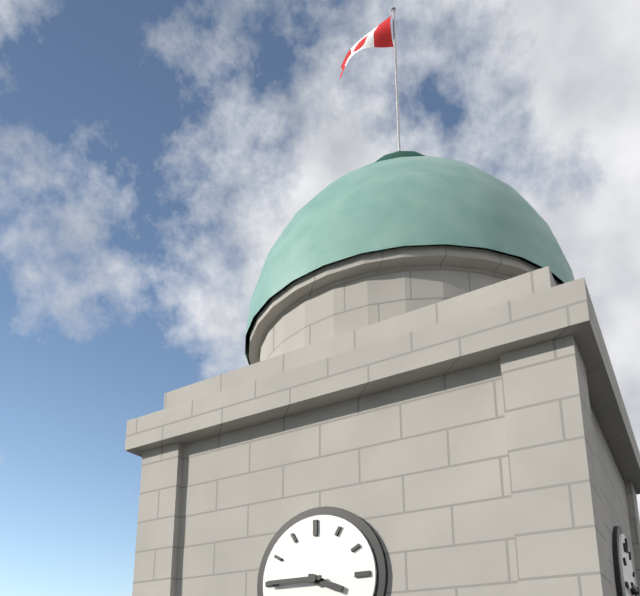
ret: {"hour": 3, "minute": 45}
